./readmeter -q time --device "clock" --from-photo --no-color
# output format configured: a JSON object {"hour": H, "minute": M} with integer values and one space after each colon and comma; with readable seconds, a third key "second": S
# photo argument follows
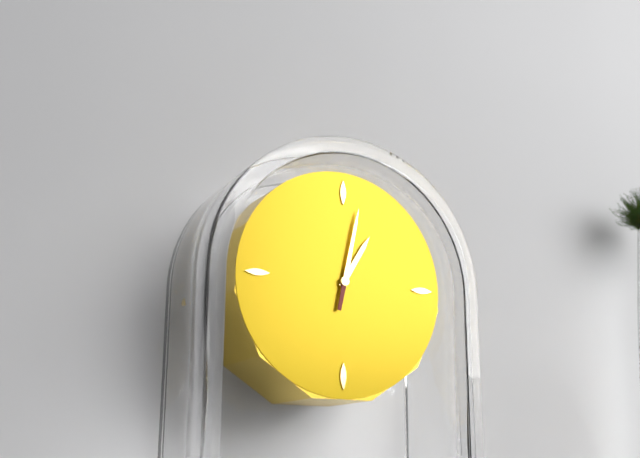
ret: {"hour": 1, "minute": 2}
